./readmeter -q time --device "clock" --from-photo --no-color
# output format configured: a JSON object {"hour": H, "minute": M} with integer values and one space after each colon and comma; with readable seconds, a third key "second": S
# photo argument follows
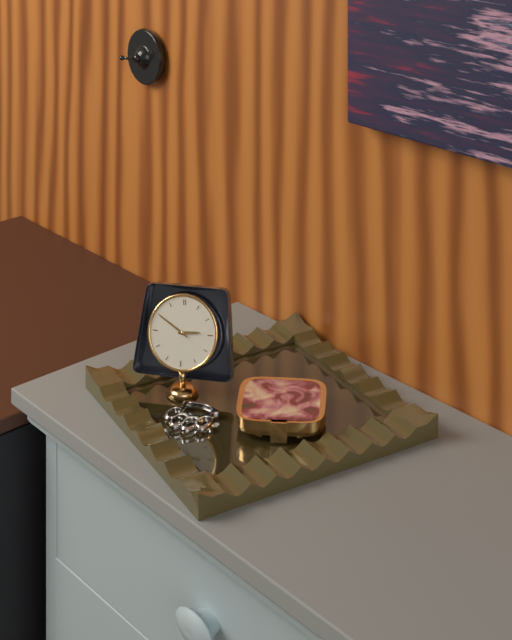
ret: {"hour": 2, "minute": 50}
